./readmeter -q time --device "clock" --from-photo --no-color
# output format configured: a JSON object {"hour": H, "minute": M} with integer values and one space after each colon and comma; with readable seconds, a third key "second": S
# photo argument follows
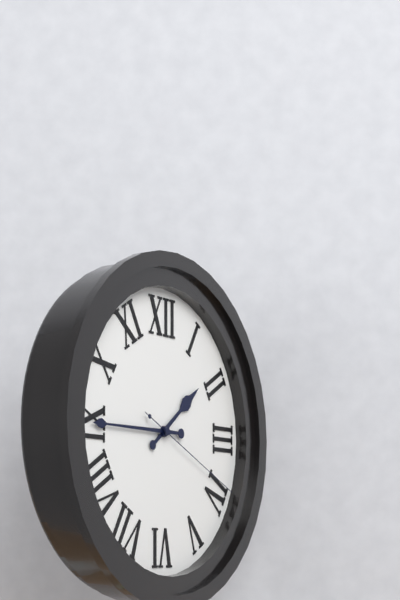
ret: {"hour": 1, "minute": 45, "second": 19}
